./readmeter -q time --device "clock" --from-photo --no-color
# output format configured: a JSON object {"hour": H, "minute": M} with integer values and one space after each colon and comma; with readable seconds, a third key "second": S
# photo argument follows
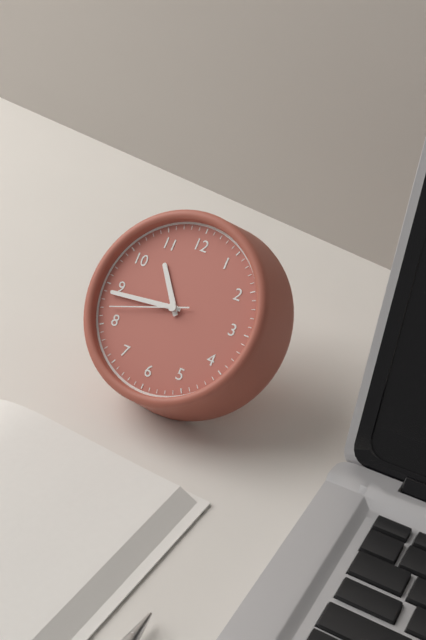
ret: {"hour": 10, "minute": 44, "second": 42}
